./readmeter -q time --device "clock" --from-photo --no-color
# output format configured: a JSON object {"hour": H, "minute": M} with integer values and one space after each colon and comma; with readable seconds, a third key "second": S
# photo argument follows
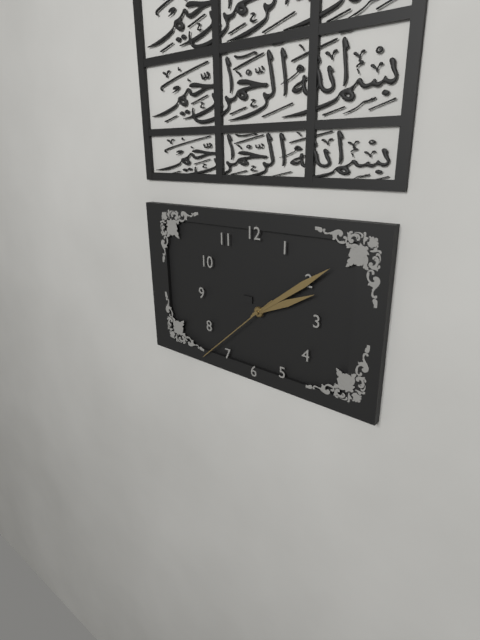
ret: {"hour": 2, "minute": 9, "second": 38}
